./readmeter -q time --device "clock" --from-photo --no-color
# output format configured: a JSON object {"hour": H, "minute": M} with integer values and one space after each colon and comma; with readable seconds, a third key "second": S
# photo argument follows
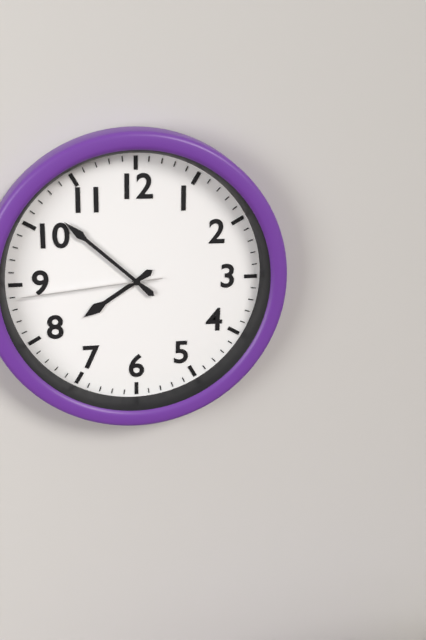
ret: {"hour": 7, "minute": 52, "second": 44}
